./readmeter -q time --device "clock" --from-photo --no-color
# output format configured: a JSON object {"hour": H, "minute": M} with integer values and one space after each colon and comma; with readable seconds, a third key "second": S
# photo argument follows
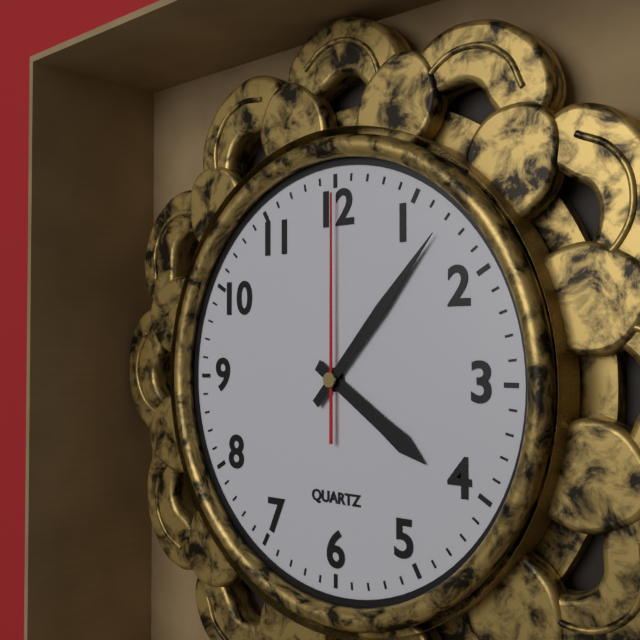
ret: {"hour": 4, "minute": 7, "second": 0}
